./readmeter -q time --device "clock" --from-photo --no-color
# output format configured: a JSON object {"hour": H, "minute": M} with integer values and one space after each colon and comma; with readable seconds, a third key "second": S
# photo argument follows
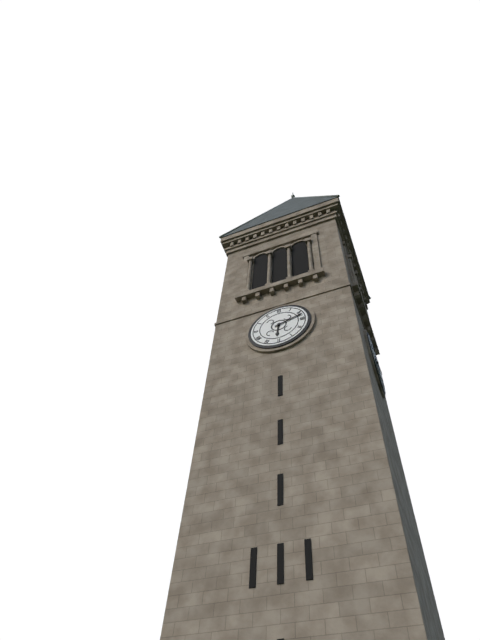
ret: {"hour": 6, "minute": 12}
